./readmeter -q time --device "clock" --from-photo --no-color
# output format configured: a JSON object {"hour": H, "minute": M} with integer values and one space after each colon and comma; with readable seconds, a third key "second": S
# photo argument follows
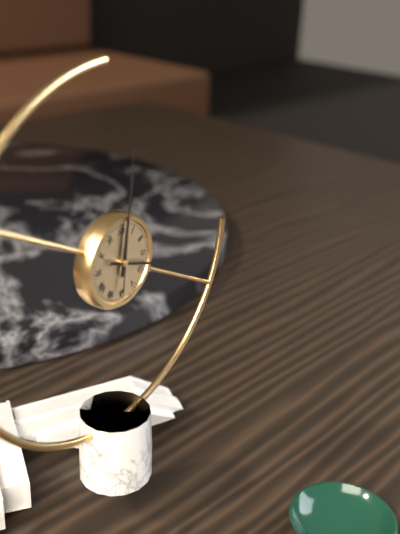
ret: {"hour": 12, "minute": 18, "second": 1}
